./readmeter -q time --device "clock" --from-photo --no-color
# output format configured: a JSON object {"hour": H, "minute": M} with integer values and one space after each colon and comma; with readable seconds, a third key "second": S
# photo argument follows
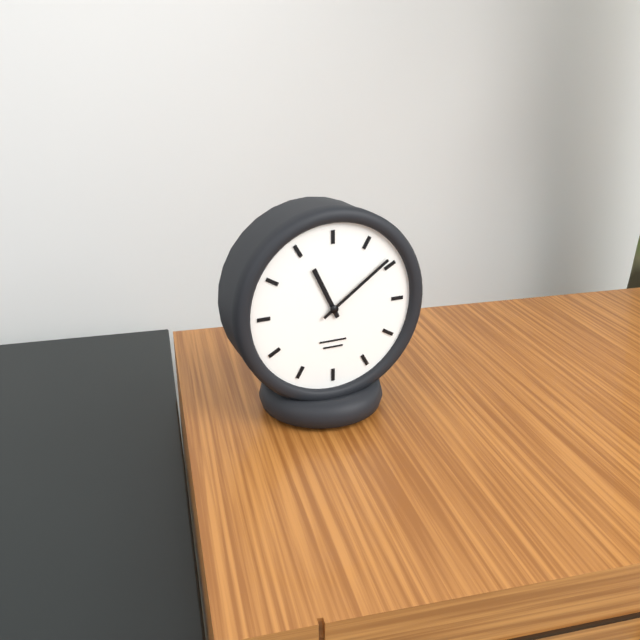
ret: {"hour": 11, "minute": 9}
